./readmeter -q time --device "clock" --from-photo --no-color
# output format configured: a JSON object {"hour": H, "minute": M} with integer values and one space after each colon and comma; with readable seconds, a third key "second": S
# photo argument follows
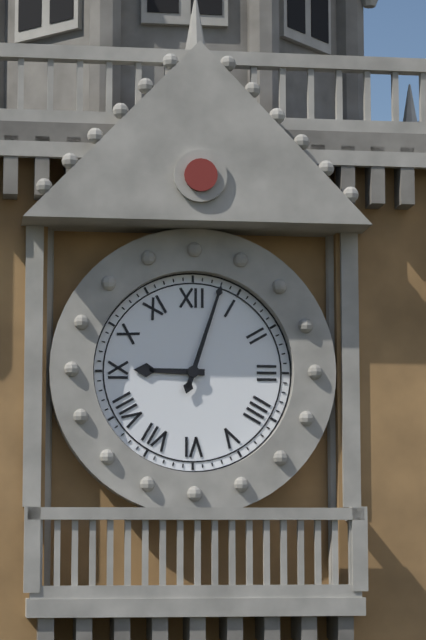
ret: {"hour": 9, "minute": 3}
